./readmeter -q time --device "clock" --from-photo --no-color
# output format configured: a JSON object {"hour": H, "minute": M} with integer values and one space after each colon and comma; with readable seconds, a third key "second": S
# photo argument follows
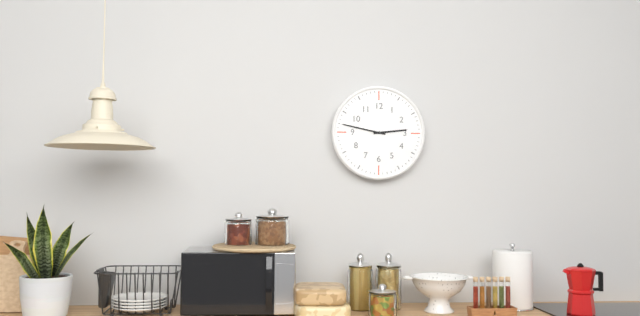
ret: {"hour": 2, "minute": 47}
